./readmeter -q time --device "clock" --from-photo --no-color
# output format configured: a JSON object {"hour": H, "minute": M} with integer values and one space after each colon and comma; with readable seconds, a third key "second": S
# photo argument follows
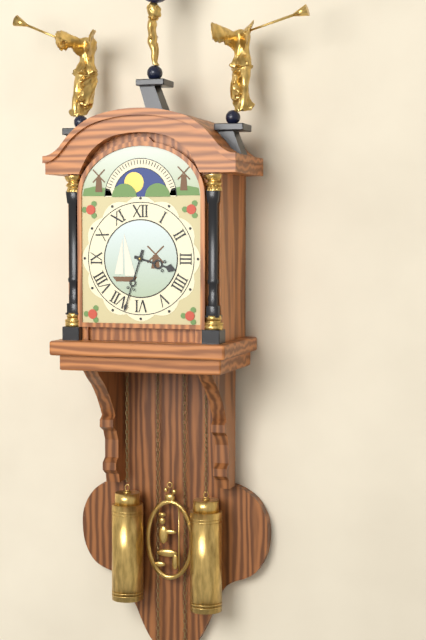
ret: {"hour": 3, "minute": 33}
